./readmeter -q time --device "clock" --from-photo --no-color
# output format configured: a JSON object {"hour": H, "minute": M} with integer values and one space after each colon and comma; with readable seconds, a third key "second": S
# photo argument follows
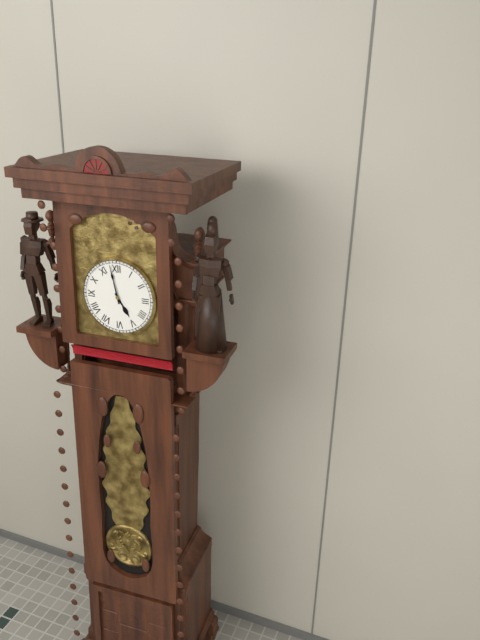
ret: {"hour": 4, "minute": 58}
